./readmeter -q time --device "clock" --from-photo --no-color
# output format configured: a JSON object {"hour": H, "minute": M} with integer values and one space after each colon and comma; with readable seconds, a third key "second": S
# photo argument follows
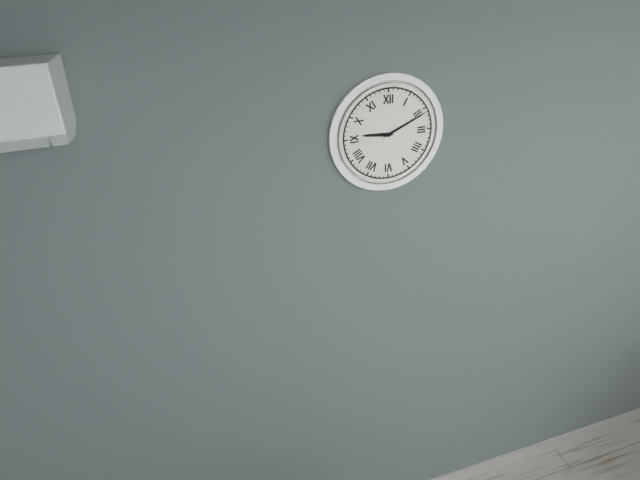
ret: {"hour": 9, "minute": 11}
